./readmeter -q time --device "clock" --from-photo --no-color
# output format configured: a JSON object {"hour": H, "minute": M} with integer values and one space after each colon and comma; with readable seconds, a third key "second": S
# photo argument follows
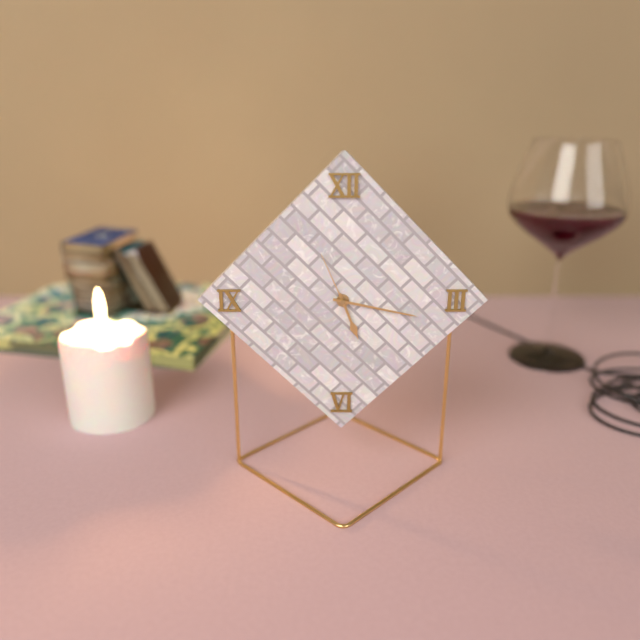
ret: {"hour": 5, "minute": 17, "second": 56}
